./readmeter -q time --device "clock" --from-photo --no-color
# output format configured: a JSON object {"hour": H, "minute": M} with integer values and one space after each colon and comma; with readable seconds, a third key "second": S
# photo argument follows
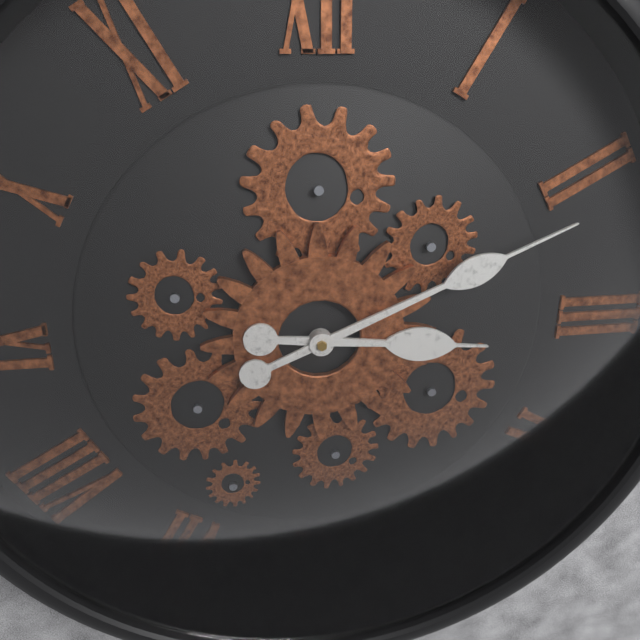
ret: {"hour": 3, "minute": 11}
